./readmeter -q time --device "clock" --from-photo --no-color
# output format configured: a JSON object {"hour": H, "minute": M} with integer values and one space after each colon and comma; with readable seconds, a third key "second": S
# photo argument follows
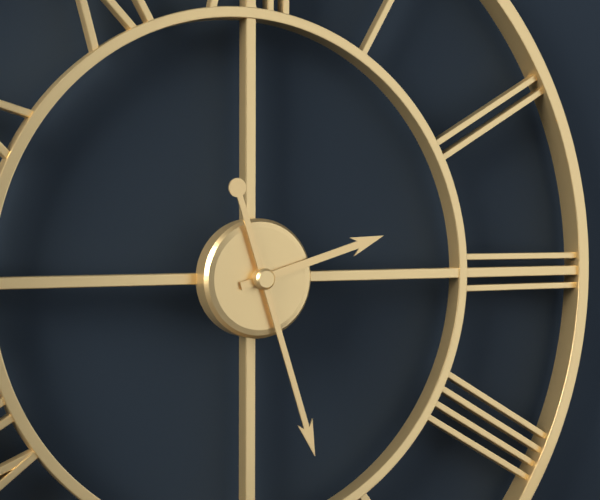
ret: {"hour": 2, "minute": 27}
